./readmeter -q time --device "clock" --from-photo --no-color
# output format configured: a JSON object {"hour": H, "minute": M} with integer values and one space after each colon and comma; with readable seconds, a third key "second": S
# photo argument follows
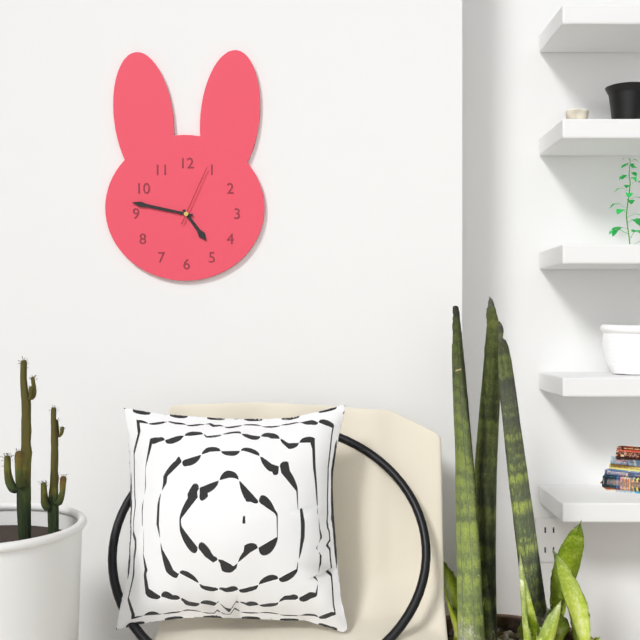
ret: {"hour": 4, "minute": 47, "second": 4}
